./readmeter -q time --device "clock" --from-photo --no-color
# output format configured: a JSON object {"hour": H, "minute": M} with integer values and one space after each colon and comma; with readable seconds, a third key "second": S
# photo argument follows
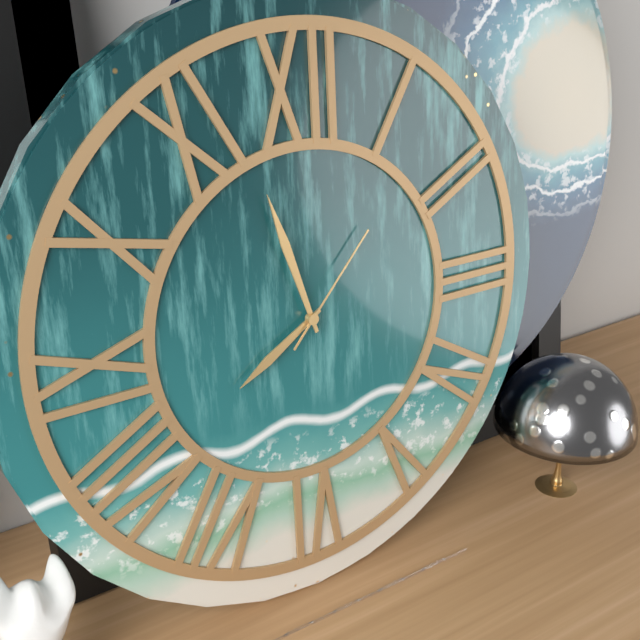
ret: {"hour": 7, "minute": 57, "second": 7}
